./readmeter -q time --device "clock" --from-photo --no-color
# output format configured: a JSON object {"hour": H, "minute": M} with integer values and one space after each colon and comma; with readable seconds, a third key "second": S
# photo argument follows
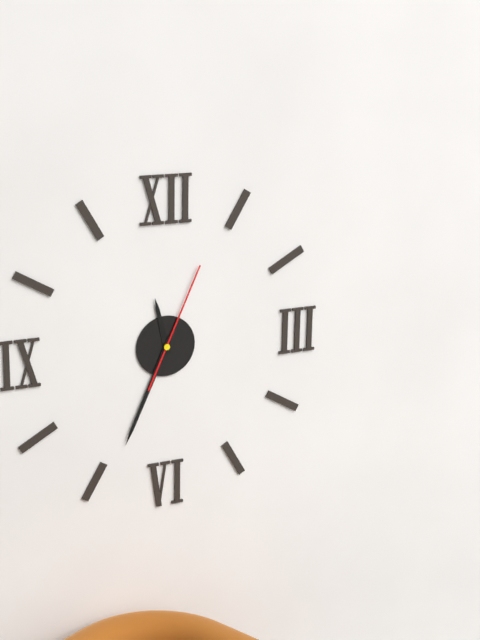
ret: {"hour": 11, "minute": 34, "second": 4}
